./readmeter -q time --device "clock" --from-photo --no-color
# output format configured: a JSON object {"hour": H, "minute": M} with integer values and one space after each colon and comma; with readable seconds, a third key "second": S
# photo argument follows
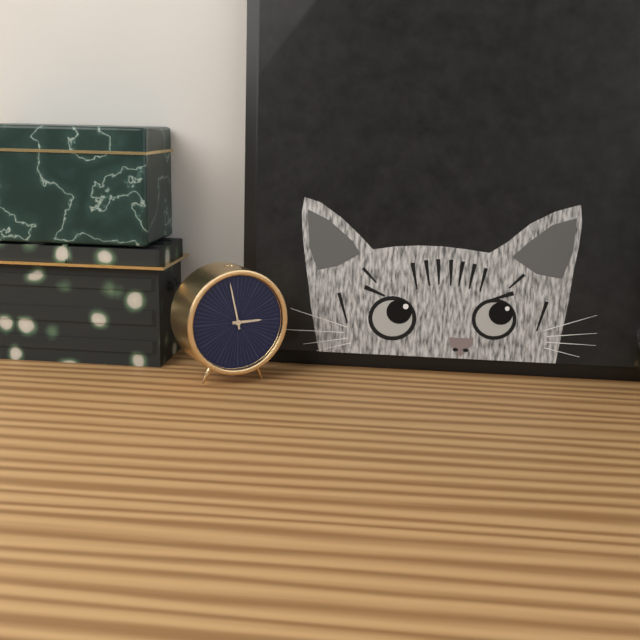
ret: {"hour": 2, "minute": 58}
